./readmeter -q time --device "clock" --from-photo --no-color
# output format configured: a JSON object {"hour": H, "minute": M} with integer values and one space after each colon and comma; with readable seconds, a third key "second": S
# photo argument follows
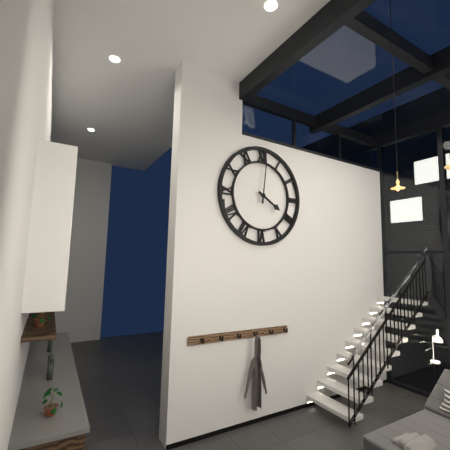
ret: {"hour": 4, "minute": 1}
